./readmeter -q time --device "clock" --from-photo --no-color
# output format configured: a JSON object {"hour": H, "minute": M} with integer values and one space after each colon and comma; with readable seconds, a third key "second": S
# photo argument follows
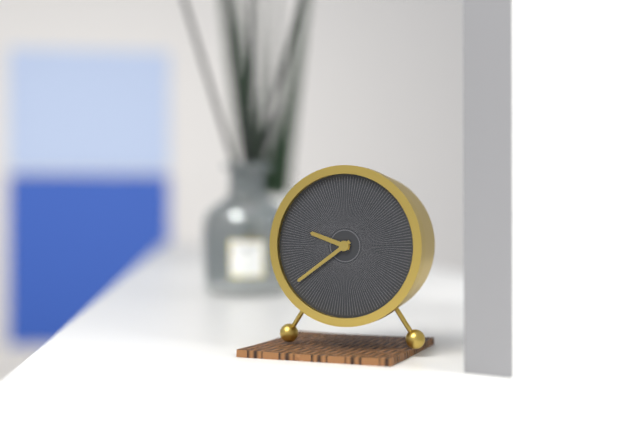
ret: {"hour": 9, "minute": 39}
